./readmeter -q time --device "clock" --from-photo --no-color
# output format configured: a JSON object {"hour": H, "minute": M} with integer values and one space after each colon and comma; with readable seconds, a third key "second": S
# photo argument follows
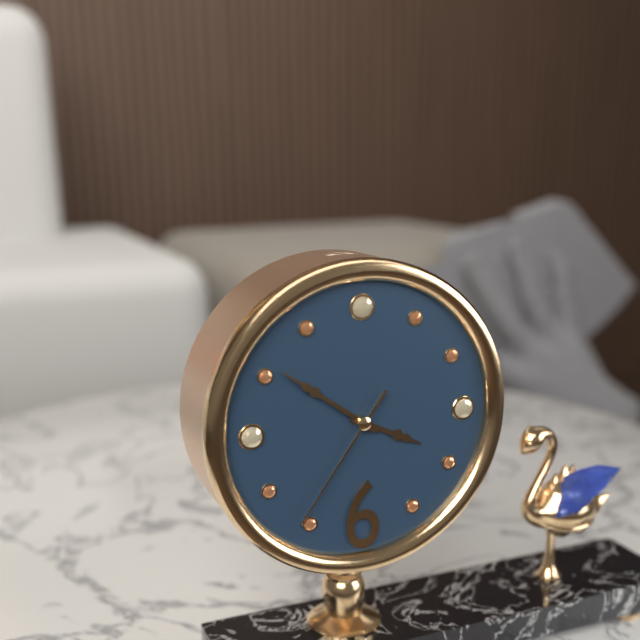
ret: {"hour": 3, "minute": 51, "second": 36}
